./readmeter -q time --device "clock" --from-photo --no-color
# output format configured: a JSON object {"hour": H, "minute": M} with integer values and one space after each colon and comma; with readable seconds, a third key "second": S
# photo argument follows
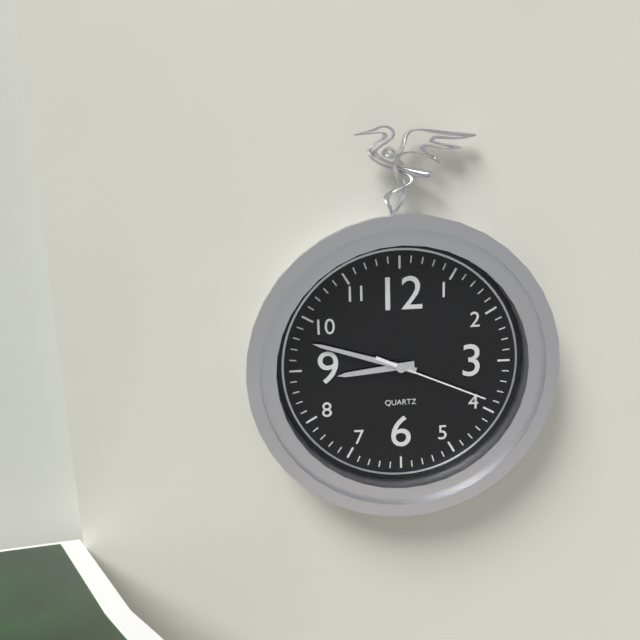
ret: {"hour": 8, "minute": 48, "second": 19}
